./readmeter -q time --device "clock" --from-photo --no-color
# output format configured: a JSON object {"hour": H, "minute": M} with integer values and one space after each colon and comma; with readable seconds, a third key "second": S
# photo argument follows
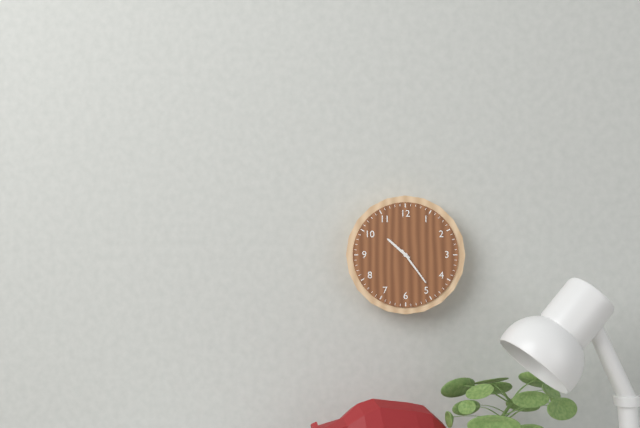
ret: {"hour": 10, "minute": 24}
